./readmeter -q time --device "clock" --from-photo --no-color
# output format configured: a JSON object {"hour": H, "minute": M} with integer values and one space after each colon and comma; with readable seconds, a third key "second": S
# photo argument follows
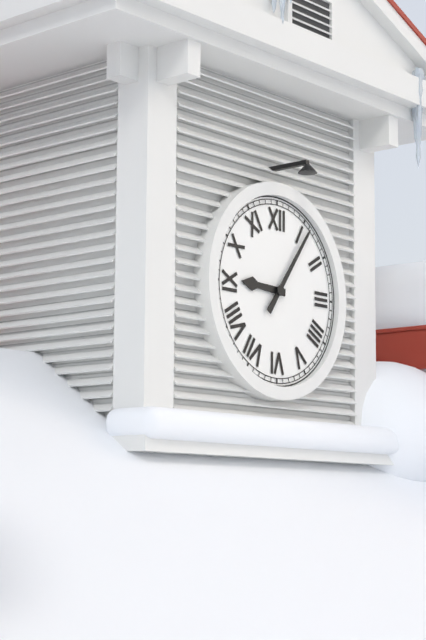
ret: {"hour": 9, "minute": 6}
